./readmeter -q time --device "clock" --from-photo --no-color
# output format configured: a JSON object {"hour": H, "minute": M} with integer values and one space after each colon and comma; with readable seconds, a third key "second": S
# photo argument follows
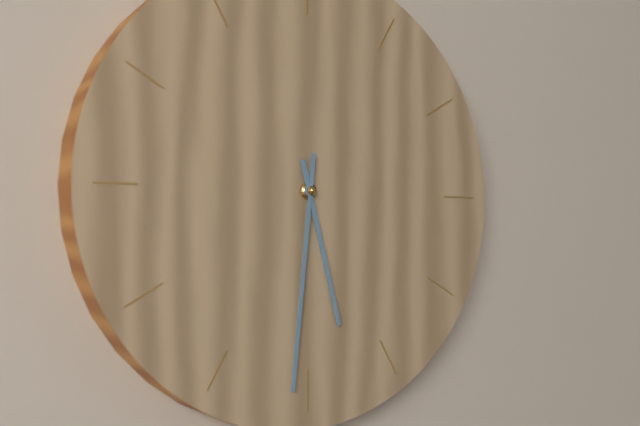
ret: {"hour": 5, "minute": 31}
